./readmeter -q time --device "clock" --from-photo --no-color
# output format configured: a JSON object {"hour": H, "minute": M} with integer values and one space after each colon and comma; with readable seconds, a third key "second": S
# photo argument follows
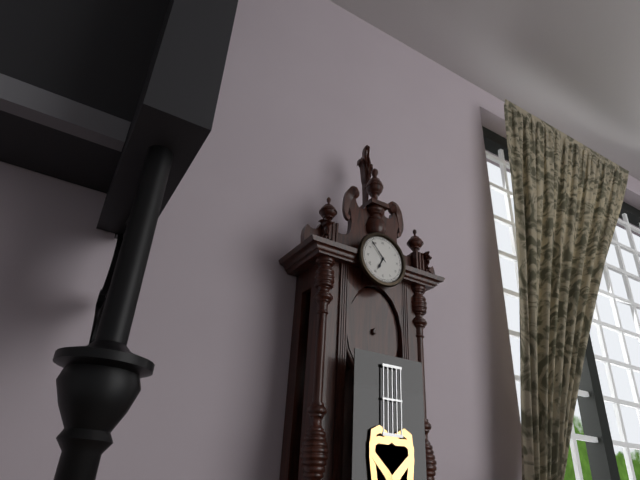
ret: {"hour": 6, "minute": 53}
